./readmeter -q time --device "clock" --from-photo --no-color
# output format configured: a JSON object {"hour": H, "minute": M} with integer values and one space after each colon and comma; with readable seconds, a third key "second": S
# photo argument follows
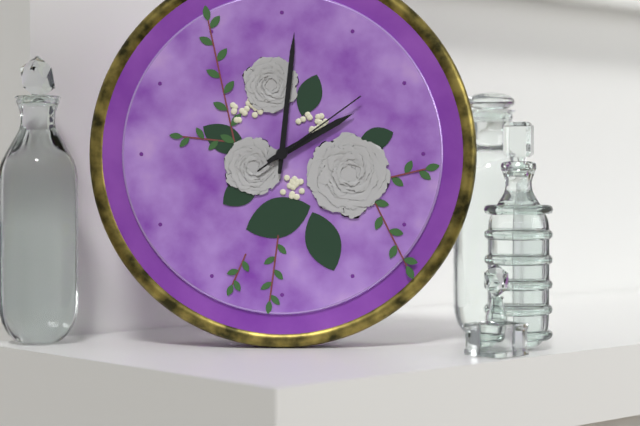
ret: {"hour": 2, "minute": 1, "second": 9}
